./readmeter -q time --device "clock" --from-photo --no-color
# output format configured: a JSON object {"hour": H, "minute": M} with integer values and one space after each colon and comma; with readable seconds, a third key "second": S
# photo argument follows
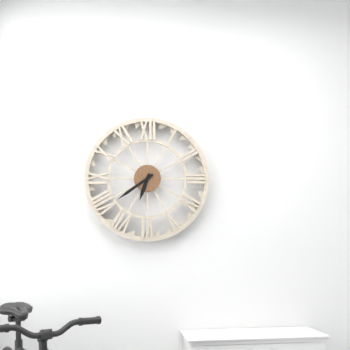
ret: {"hour": 6, "minute": 39}
